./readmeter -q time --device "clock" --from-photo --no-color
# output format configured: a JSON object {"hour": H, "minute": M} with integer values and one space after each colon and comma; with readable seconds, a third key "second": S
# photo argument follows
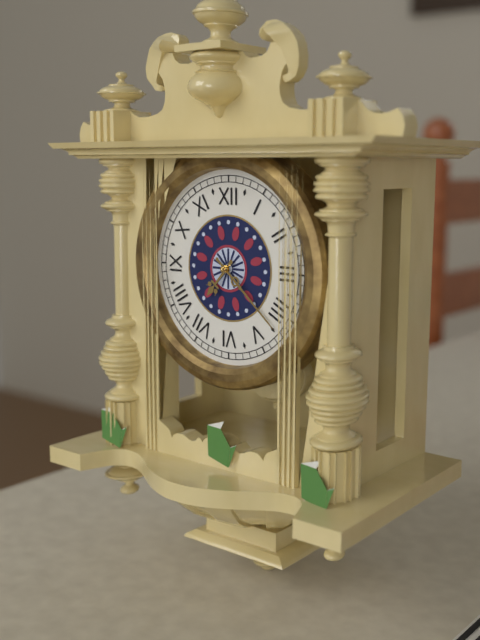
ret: {"hour": 7, "minute": 22}
